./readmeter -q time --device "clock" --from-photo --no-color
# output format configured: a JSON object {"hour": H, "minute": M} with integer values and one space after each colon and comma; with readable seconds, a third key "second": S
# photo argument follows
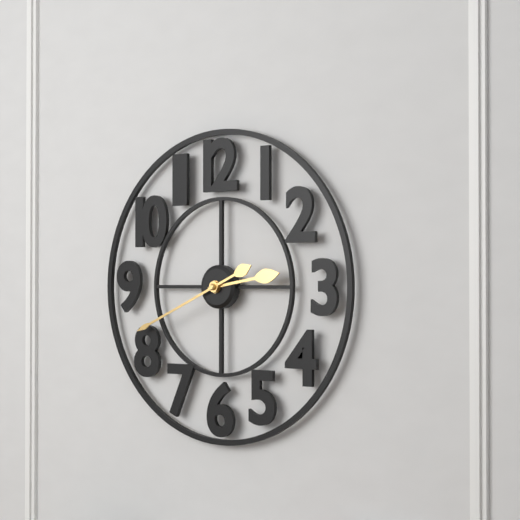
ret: {"hour": 2, "minute": 41}
